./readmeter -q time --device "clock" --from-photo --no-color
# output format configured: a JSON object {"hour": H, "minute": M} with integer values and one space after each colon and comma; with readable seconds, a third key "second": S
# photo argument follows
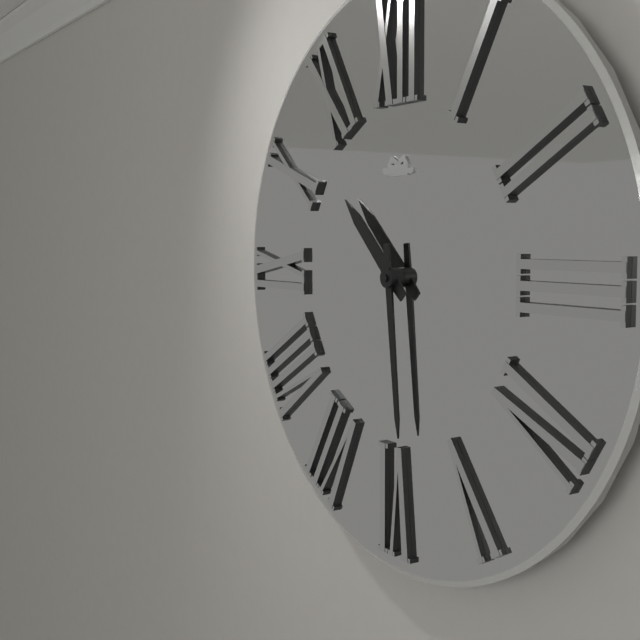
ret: {"hour": 10, "minute": 29}
